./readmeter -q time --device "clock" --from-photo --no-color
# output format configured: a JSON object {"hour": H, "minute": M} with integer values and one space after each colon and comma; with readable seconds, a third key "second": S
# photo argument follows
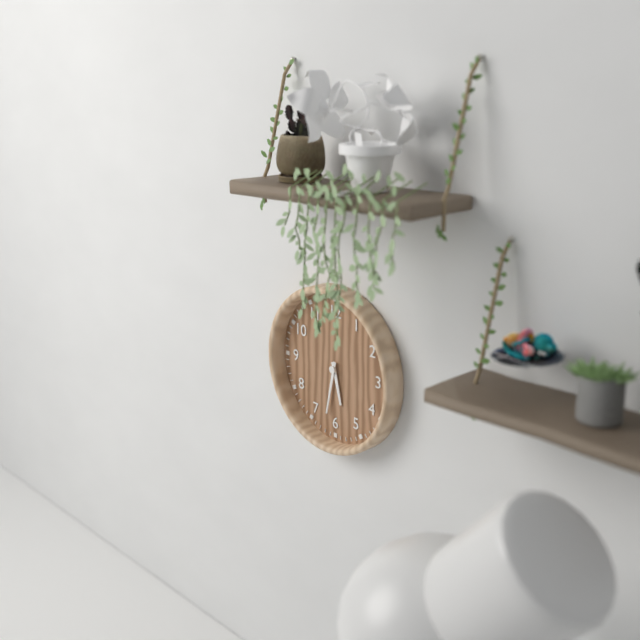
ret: {"hour": 5, "minute": 32}
